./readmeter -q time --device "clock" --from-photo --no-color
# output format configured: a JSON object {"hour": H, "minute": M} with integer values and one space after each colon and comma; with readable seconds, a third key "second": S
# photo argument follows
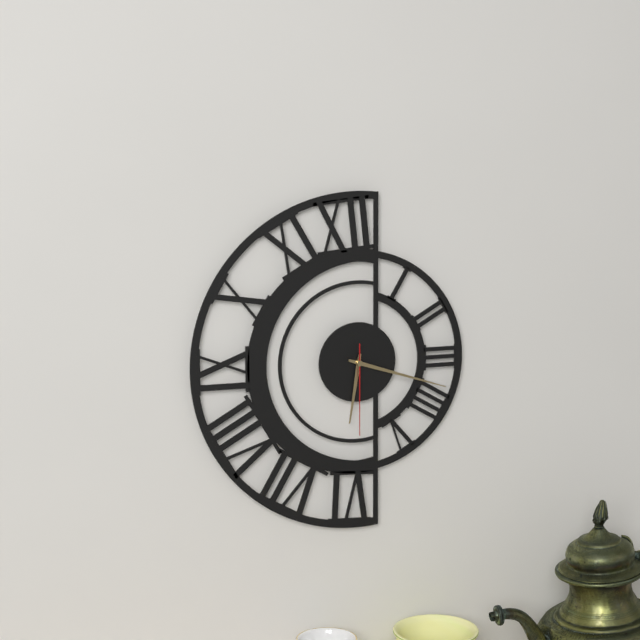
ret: {"hour": 6, "minute": 18, "second": 30}
